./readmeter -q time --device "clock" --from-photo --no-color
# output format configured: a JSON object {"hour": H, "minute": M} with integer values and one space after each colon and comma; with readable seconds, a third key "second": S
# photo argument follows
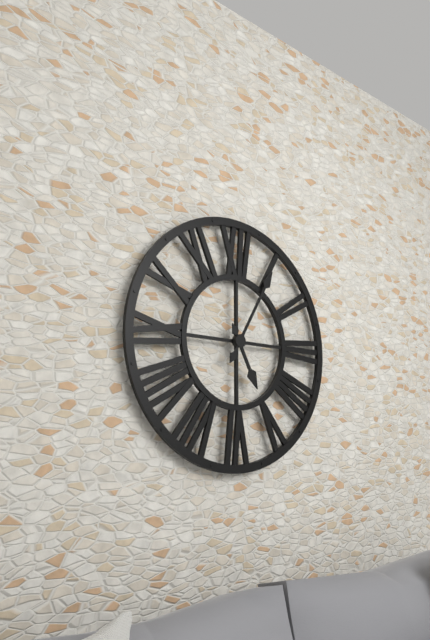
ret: {"hour": 5, "minute": 5}
